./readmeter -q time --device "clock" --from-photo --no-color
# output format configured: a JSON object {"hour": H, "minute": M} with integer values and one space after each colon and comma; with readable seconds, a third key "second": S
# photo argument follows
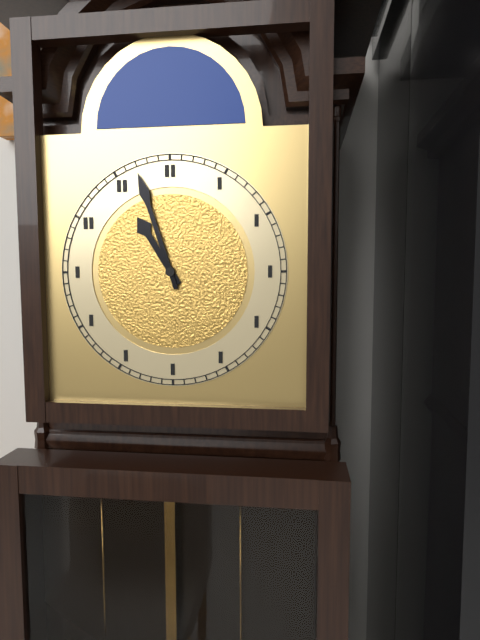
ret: {"hour": 10, "minute": 57}
